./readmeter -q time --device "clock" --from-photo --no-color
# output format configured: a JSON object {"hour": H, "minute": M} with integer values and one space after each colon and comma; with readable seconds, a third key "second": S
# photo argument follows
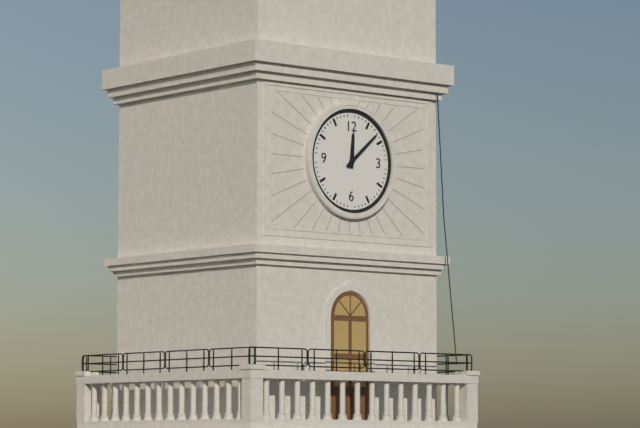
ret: {"hour": 12, "minute": 8}
